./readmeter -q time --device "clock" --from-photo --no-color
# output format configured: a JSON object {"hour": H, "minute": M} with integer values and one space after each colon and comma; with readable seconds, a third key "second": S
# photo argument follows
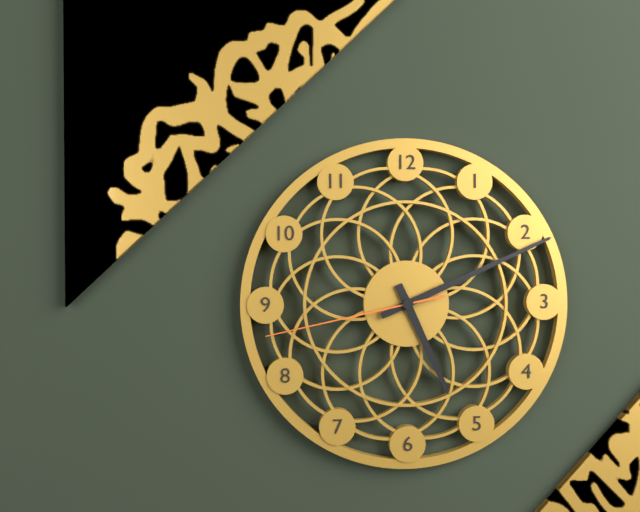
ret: {"hour": 5, "minute": 11, "second": 43}
